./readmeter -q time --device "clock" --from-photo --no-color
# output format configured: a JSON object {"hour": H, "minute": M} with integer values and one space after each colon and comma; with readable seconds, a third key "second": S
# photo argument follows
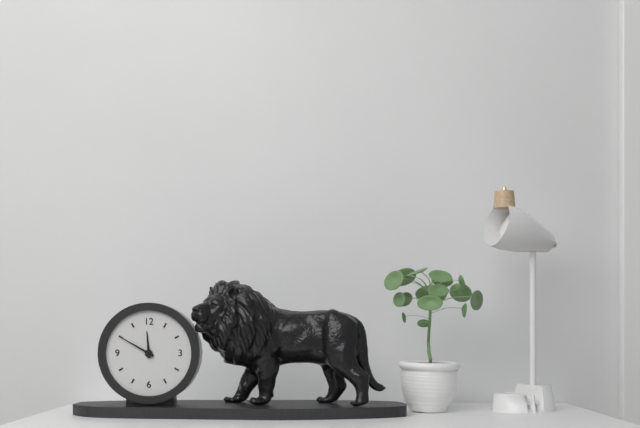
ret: {"hour": 11, "minute": 50}
